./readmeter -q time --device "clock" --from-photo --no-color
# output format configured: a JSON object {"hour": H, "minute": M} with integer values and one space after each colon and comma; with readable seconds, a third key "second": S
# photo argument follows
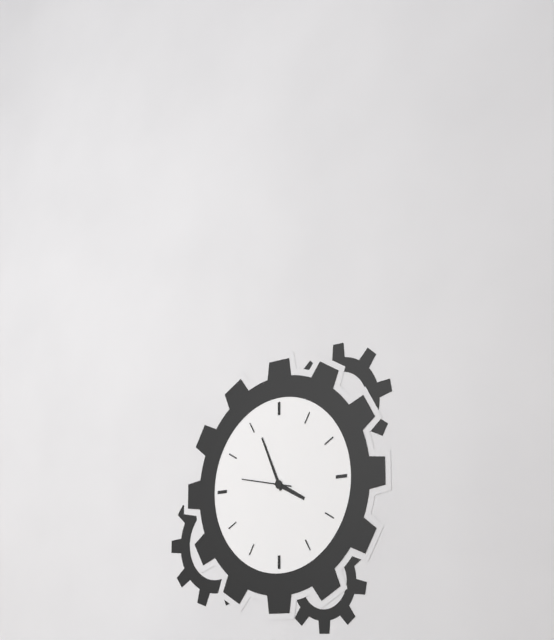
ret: {"hour": 3, "minute": 56}
